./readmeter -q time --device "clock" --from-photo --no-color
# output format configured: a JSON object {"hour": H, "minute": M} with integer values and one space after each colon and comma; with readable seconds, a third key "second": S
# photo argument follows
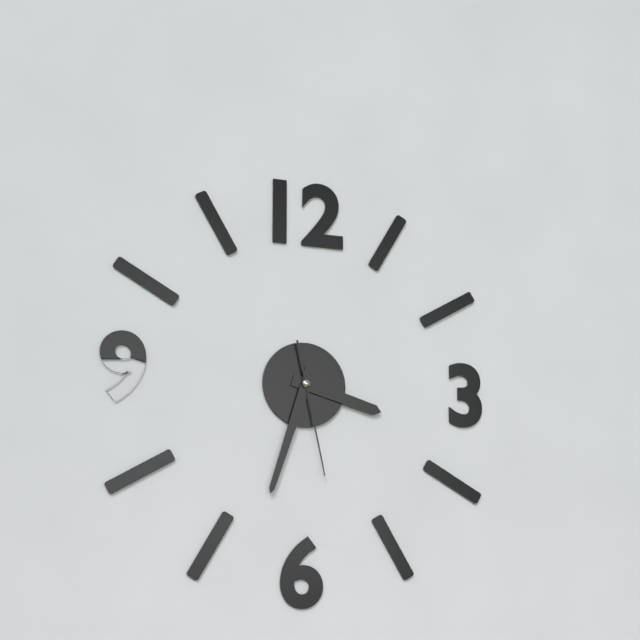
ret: {"hour": 3, "minute": 33, "second": 28}
